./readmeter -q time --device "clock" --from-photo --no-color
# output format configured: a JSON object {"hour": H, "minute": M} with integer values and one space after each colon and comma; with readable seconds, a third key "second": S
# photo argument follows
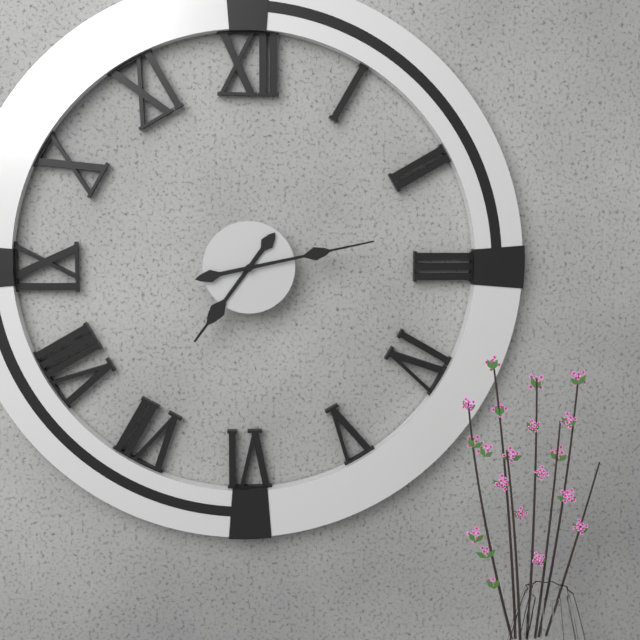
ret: {"hour": 7, "minute": 13}
